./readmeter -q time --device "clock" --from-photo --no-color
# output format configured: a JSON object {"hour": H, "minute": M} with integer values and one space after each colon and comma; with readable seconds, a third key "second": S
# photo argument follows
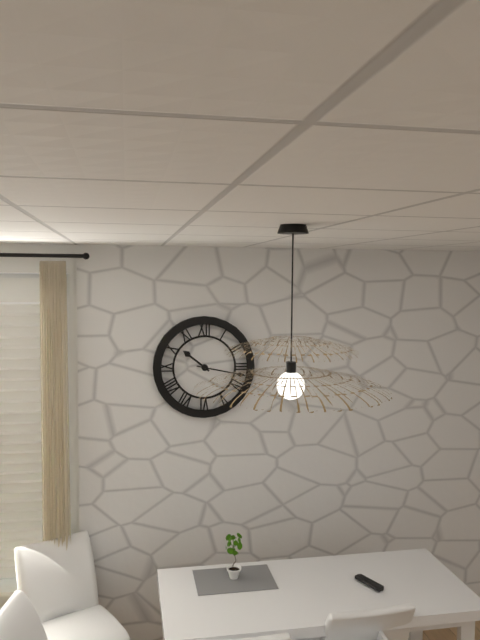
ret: {"hour": 10, "minute": 17}
